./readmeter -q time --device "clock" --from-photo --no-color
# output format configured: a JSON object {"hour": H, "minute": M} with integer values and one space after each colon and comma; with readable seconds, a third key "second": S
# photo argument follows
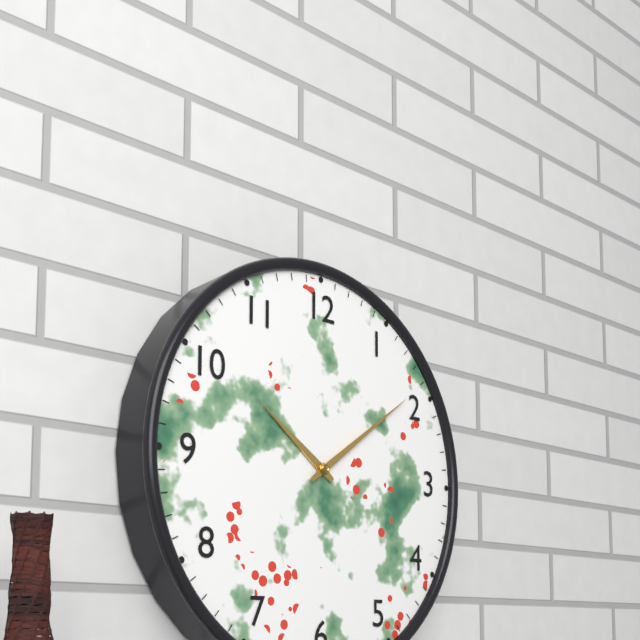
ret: {"hour": 10, "minute": 9}
